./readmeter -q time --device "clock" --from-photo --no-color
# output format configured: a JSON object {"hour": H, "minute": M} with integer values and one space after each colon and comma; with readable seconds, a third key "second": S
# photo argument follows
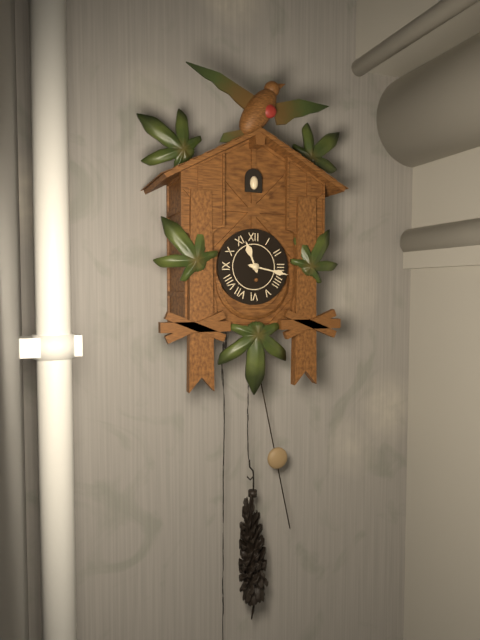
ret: {"hour": 11, "minute": 17}
